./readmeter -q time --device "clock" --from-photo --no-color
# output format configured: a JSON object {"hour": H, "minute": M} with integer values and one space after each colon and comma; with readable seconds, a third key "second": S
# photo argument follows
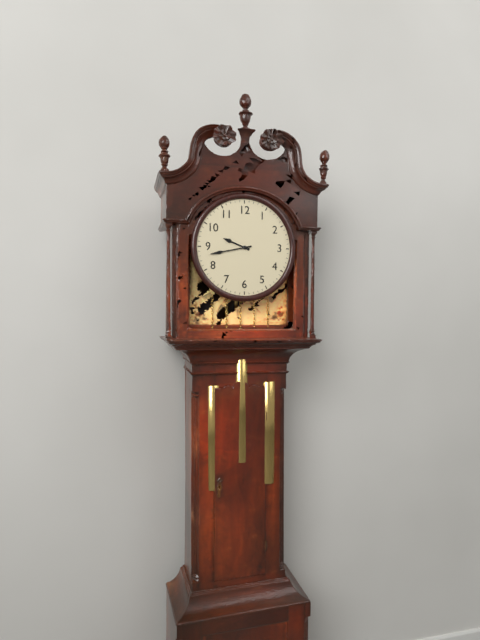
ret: {"hour": 9, "minute": 43}
